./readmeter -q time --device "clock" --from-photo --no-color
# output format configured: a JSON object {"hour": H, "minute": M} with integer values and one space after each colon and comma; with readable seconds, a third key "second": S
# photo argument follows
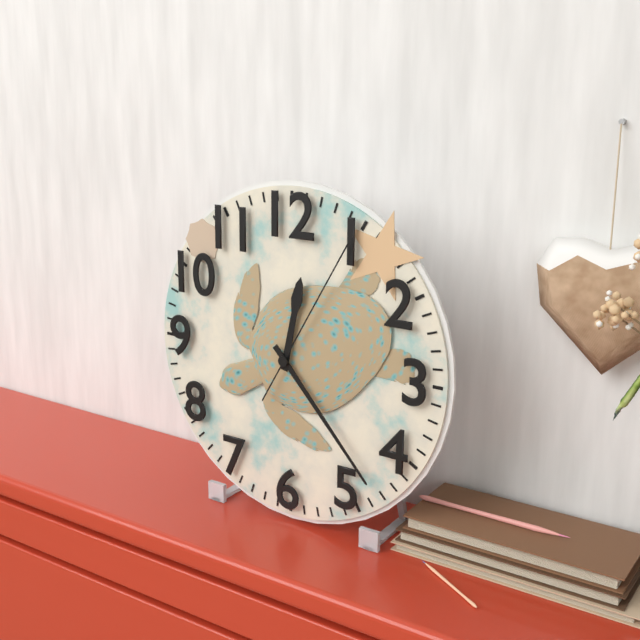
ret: {"hour": 12, "minute": 23, "second": 5}
